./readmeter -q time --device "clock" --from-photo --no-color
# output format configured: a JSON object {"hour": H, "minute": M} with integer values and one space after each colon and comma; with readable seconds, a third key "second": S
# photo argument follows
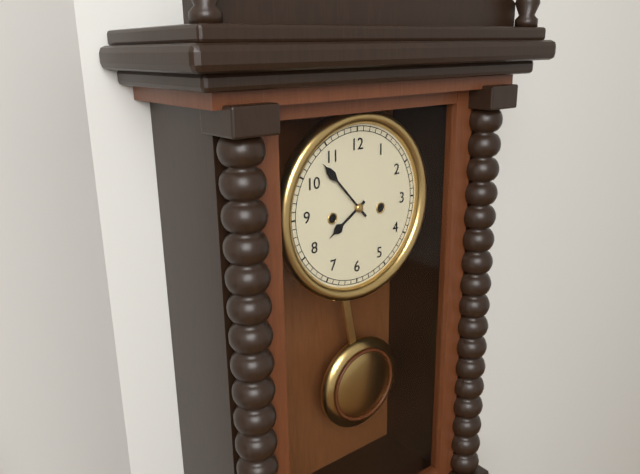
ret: {"hour": 7, "minute": 53}
